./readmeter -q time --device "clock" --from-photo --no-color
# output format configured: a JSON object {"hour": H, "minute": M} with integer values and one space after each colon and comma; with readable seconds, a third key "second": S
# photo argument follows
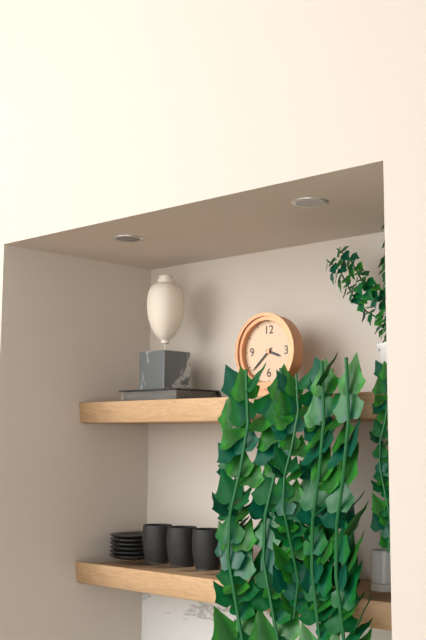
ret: {"hour": 3, "minute": 38}
